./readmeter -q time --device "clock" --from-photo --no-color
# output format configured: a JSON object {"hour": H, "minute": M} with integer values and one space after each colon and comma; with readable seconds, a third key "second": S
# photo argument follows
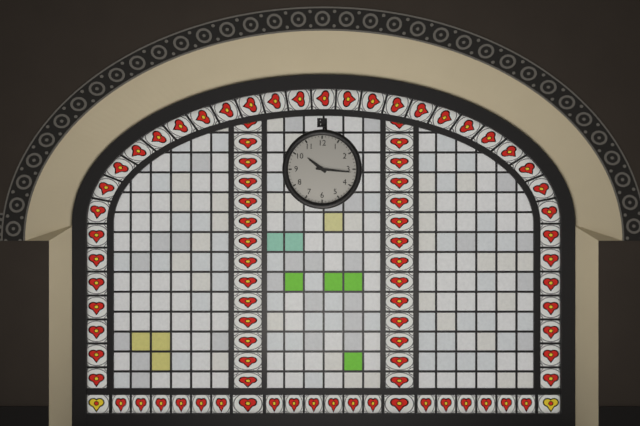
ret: {"hour": 10, "minute": 16}
